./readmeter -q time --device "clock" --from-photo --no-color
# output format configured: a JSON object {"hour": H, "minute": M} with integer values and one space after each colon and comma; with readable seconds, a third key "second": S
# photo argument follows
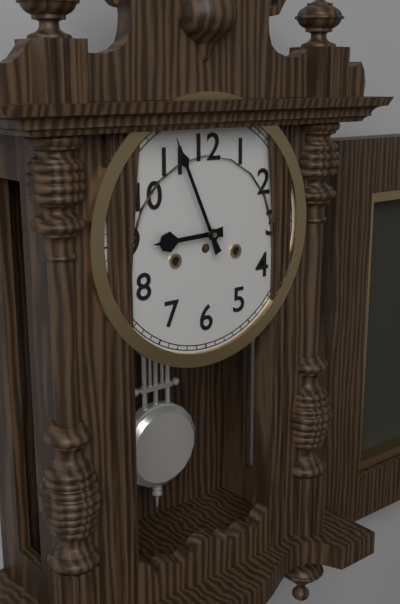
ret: {"hour": 8, "minute": 56}
